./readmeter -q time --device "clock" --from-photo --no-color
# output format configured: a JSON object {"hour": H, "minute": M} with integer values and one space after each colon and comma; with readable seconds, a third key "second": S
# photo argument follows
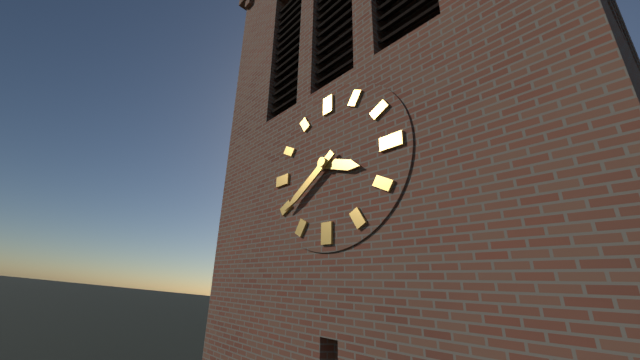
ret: {"hour": 3, "minute": 39}
